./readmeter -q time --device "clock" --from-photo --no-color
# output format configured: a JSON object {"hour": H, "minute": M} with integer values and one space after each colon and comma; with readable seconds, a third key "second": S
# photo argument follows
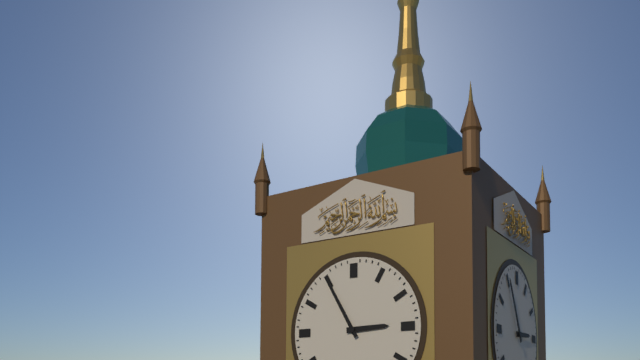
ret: {"hour": 2, "minute": 55}
